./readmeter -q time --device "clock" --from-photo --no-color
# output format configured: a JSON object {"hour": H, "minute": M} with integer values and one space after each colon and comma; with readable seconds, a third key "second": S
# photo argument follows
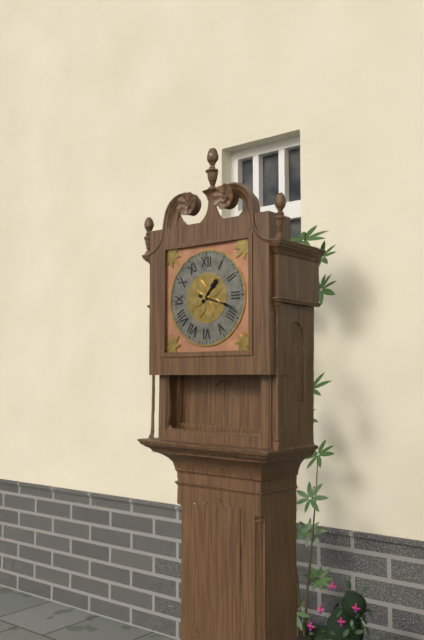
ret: {"hour": 1, "minute": 18}
